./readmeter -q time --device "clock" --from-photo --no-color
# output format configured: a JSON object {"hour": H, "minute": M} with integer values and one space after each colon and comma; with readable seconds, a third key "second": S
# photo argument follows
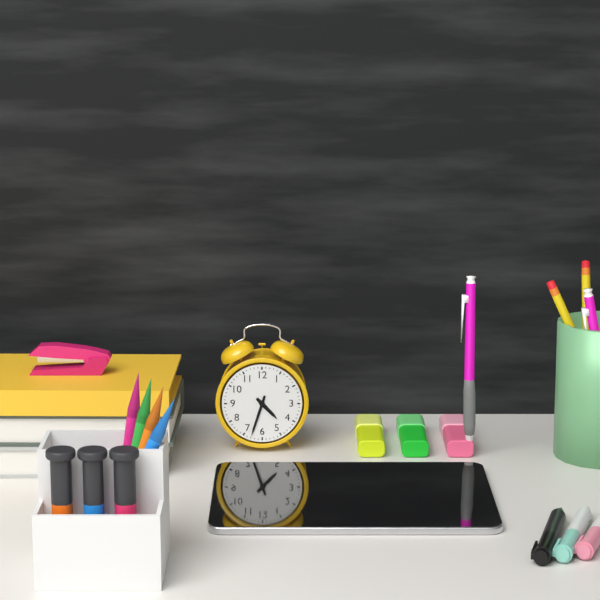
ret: {"hour": 4, "minute": 33}
